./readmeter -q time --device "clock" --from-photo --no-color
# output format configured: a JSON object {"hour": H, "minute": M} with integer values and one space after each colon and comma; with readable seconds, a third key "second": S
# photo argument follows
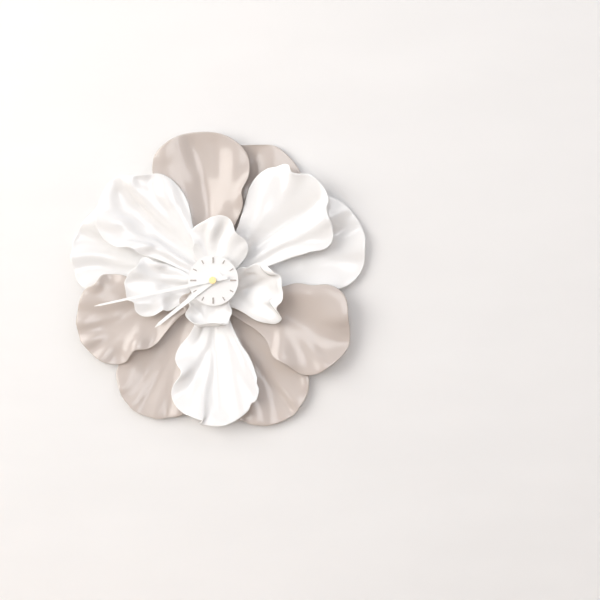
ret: {"hour": 7, "minute": 43}
